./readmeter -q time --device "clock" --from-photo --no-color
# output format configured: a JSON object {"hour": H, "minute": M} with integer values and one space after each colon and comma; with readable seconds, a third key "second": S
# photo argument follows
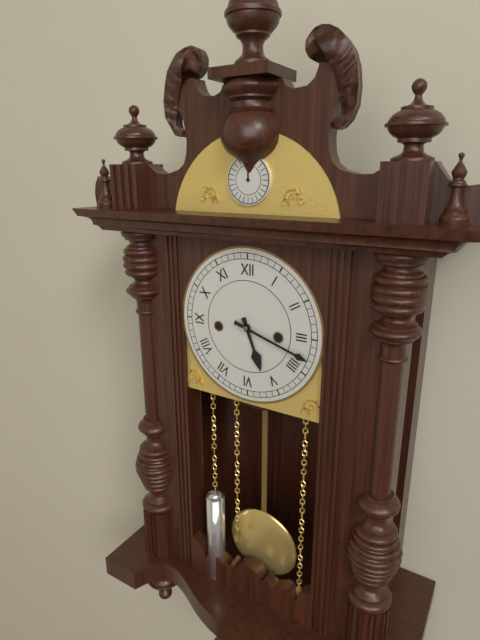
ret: {"hour": 5, "minute": 18}
